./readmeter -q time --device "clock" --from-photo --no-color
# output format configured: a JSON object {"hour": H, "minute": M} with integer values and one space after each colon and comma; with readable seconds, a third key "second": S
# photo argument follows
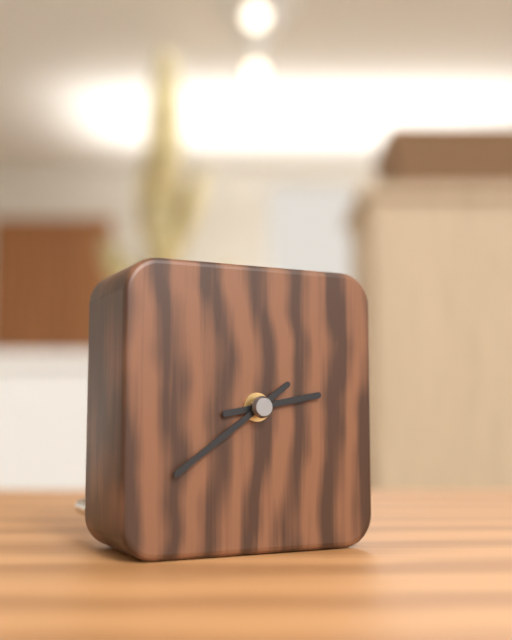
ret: {"hour": 2, "minute": 39}
